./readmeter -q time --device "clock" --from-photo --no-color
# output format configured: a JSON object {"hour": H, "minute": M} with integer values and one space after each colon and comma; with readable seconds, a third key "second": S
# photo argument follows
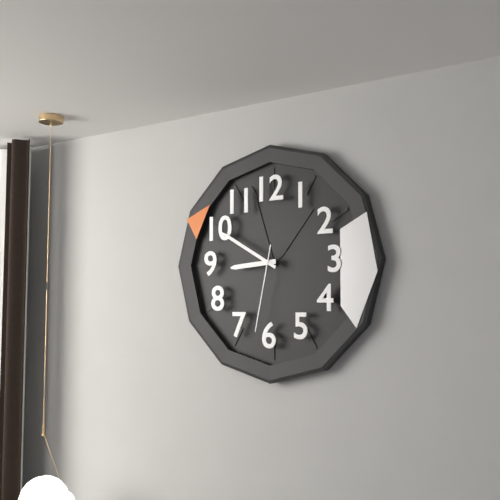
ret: {"hour": 8, "minute": 50, "second": 32}
